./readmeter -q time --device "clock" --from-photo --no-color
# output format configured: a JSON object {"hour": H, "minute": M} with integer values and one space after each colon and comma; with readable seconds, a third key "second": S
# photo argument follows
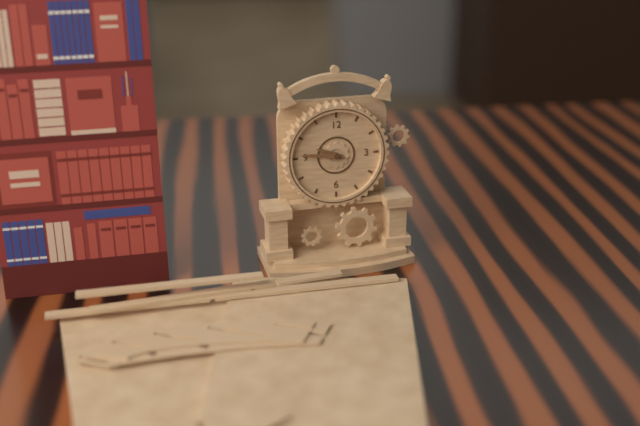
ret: {"hour": 9, "minute": 46}
